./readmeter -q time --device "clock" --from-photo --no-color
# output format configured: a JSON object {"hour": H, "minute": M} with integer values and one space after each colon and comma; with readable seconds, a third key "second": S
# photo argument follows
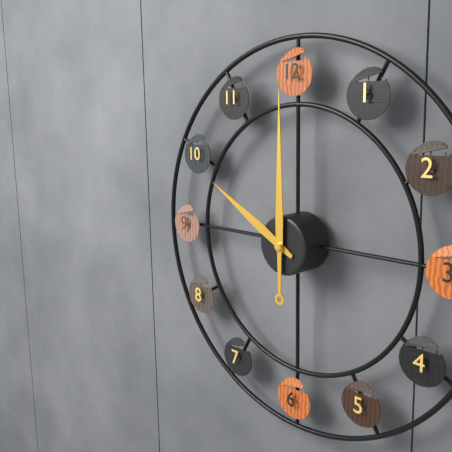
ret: {"hour": 10, "minute": 0}
